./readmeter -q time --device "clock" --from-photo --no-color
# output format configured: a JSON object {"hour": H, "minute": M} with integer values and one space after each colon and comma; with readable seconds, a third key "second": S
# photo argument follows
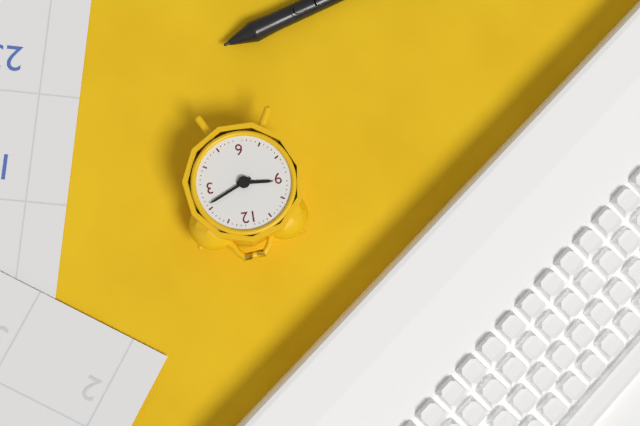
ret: {"hour": 9, "minute": 11}
